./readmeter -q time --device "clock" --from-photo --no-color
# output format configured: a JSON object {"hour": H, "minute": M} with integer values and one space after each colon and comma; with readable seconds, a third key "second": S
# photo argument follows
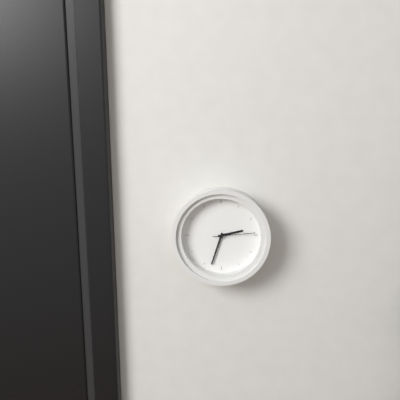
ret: {"hour": 2, "minute": 33}
